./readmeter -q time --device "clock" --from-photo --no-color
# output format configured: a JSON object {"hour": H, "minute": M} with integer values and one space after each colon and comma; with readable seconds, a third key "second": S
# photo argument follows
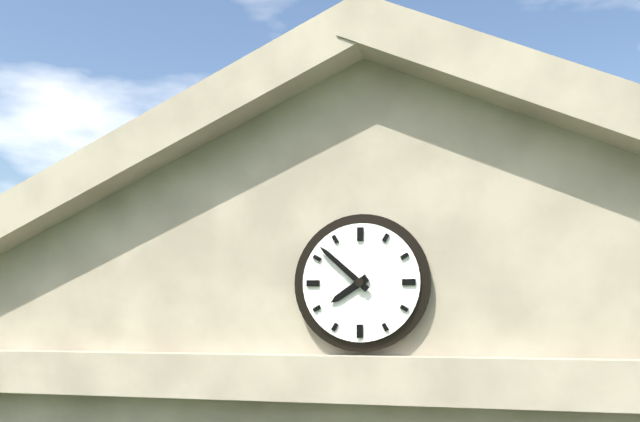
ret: {"hour": 7, "minute": 52}
